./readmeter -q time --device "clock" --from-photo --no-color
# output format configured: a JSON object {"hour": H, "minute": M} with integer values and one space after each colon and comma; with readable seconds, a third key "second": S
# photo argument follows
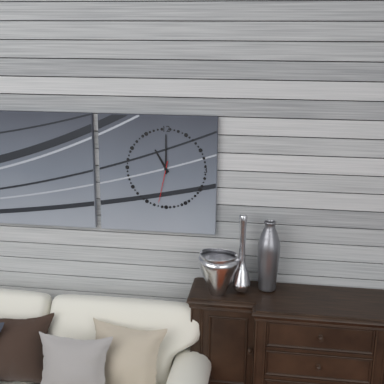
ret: {"hour": 11, "minute": 0}
